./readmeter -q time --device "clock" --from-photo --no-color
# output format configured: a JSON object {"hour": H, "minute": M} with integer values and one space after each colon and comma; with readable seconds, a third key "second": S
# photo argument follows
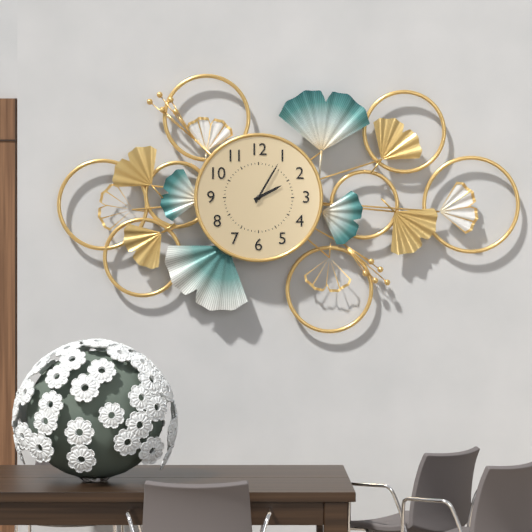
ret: {"hour": 2, "minute": 5}
